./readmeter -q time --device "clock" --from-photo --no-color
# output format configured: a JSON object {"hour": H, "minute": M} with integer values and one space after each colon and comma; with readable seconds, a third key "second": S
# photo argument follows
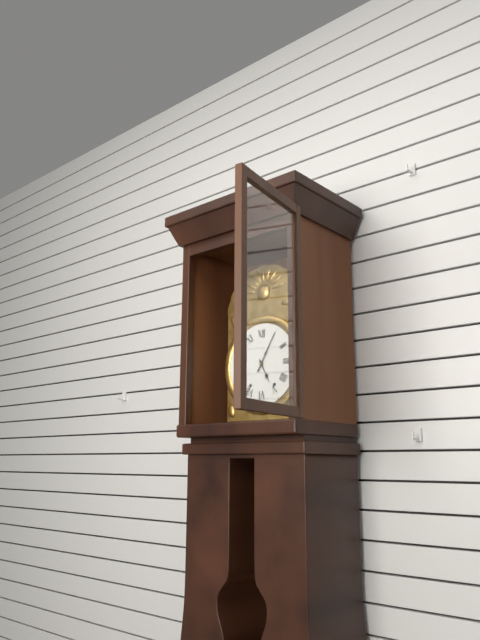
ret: {"hour": 5, "minute": 5}
